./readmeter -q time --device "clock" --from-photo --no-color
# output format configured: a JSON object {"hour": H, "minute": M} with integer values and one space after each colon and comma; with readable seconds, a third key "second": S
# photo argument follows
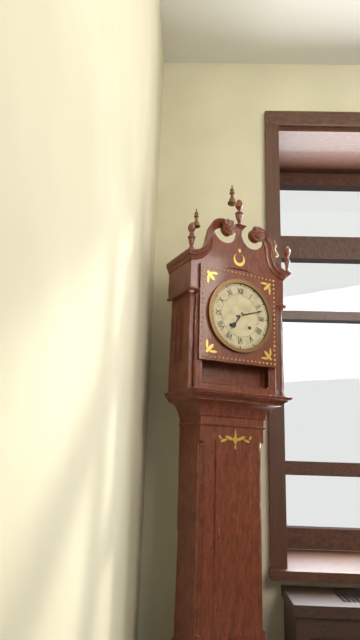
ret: {"hour": 7, "minute": 12}
